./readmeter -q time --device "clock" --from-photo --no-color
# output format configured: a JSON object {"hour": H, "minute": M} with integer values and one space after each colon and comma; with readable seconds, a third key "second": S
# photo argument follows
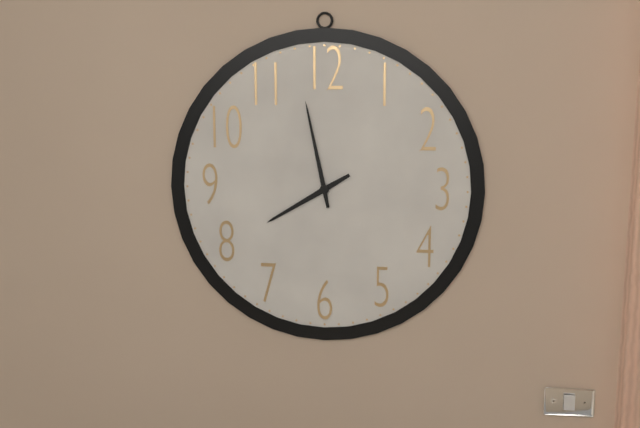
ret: {"hour": 7, "minute": 58}
